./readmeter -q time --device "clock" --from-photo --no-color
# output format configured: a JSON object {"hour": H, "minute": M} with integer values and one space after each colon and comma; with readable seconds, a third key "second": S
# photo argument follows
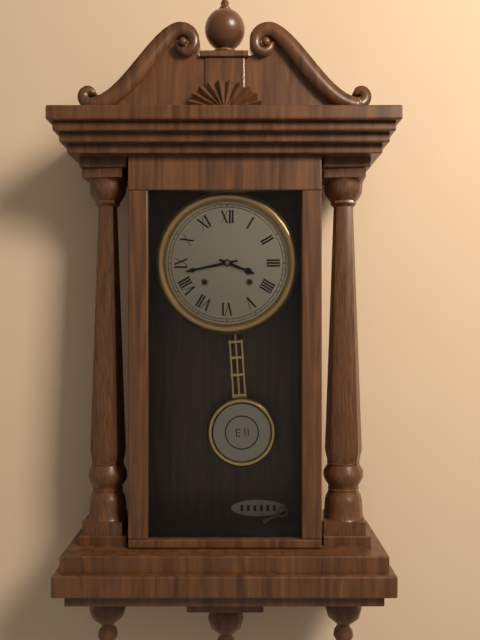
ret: {"hour": 3, "minute": 43}
